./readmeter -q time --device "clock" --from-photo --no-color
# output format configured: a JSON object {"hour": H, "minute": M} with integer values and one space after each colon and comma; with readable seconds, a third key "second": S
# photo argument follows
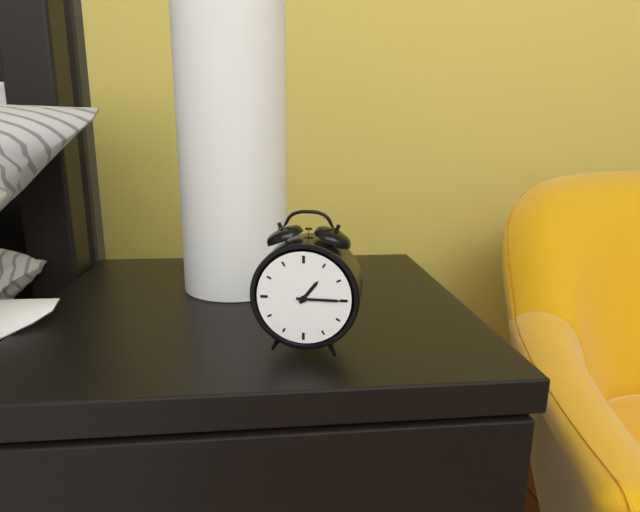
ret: {"hour": 1, "minute": 15}
